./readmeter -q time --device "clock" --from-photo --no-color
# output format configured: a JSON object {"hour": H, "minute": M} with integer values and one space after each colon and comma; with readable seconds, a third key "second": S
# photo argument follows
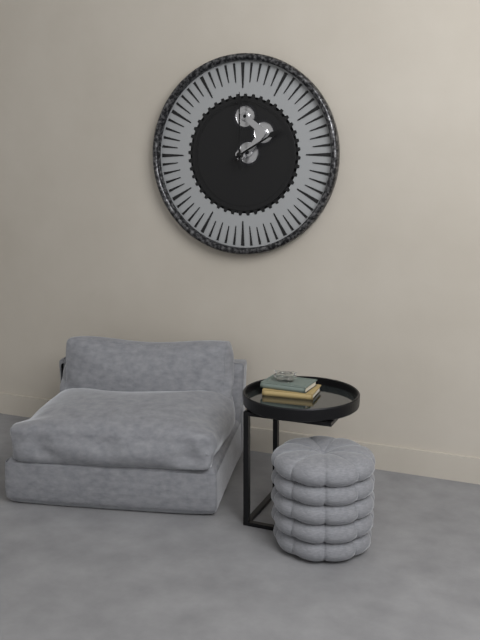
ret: {"hour": 2, "minute": 0}
